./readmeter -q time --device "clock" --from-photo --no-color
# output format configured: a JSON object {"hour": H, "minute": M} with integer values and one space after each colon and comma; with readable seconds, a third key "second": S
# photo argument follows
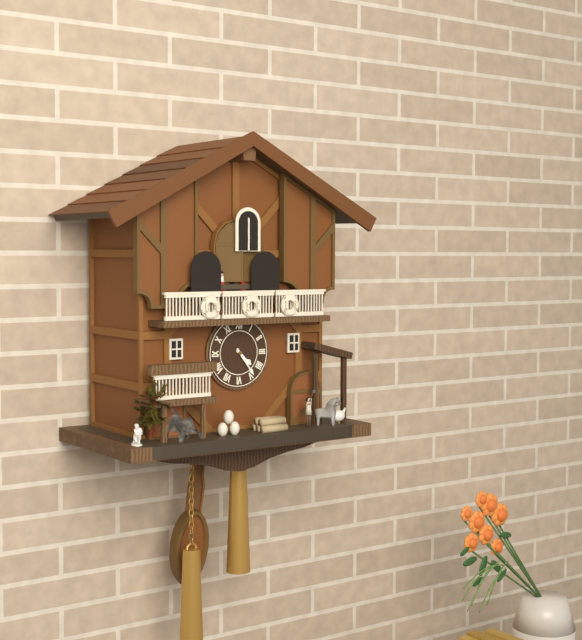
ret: {"hour": 4, "minute": 24}
